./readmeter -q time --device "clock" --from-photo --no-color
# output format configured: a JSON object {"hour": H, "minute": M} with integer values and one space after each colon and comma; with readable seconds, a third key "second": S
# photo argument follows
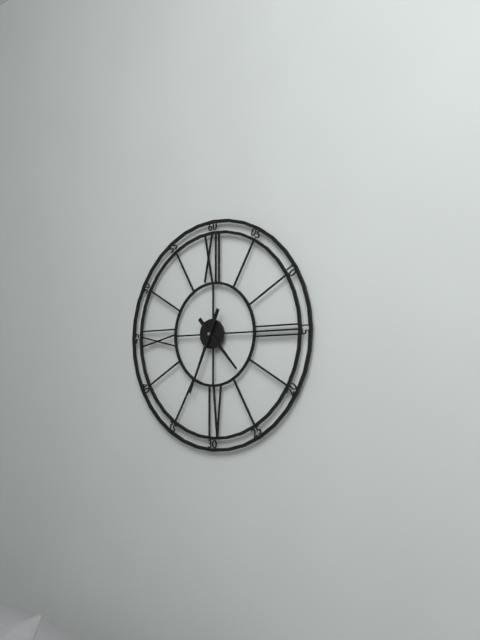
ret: {"hour": 4, "minute": 34}
